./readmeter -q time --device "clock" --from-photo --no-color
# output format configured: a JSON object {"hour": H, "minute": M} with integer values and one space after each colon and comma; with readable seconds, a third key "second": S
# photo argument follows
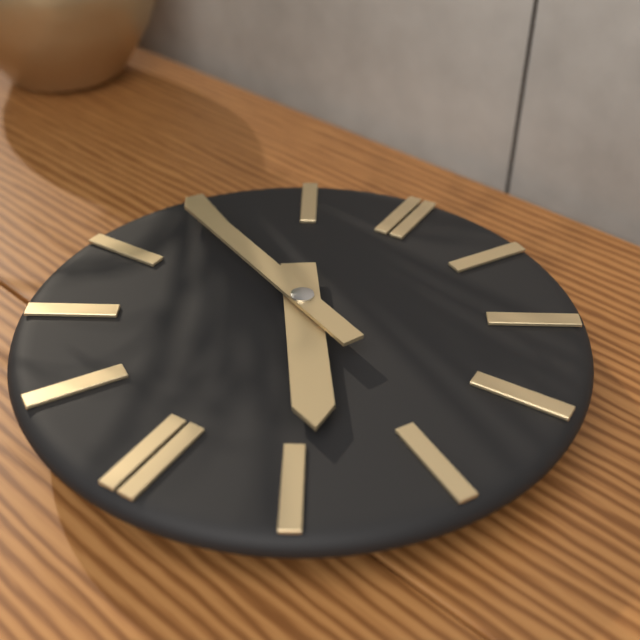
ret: {"hour": 4, "minute": 49}
